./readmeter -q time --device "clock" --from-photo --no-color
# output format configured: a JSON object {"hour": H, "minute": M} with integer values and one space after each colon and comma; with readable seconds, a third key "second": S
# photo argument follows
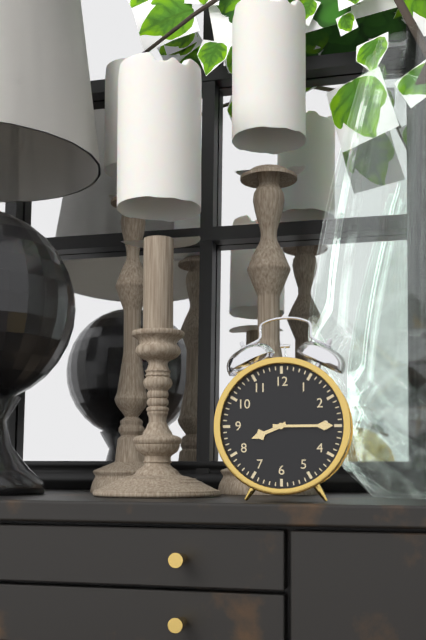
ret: {"hour": 8, "minute": 15}
